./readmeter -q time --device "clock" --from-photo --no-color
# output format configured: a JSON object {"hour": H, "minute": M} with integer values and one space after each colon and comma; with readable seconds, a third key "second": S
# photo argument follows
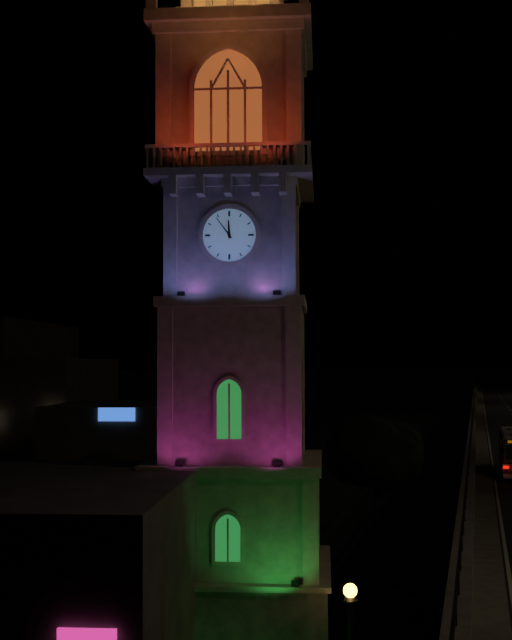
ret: {"hour": 11, "minute": 54}
